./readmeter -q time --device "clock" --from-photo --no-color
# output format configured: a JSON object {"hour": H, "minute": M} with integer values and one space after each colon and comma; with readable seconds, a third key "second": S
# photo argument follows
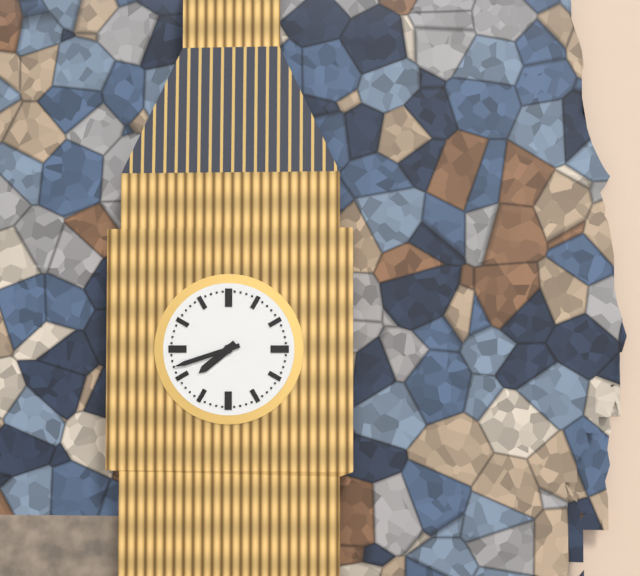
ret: {"hour": 7, "minute": 42}
